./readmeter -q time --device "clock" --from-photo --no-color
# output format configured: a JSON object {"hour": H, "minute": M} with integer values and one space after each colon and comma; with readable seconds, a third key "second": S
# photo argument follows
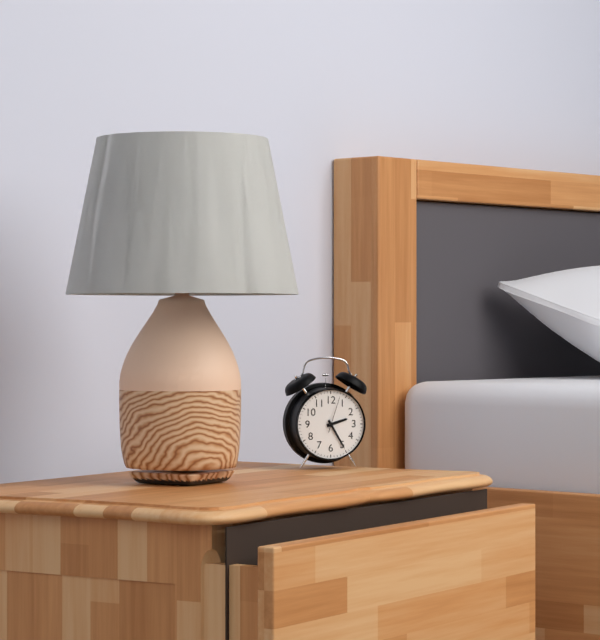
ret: {"hour": 2, "minute": 25}
